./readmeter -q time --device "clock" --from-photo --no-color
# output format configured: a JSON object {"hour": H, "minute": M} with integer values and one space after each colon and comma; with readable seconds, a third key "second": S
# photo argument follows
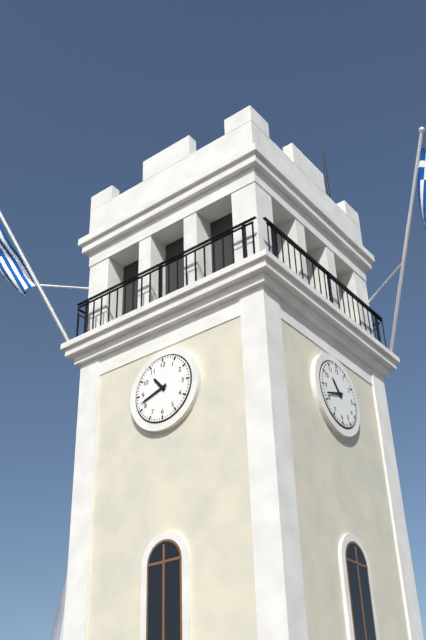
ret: {"hour": 10, "minute": 42}
